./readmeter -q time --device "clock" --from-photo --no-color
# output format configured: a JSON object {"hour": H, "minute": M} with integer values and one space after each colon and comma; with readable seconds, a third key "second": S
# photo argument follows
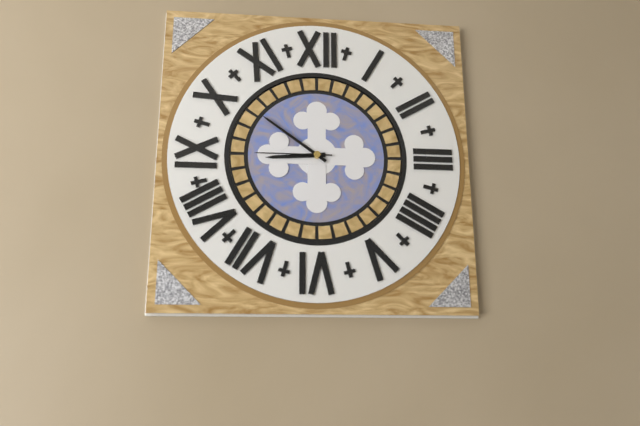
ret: {"hour": 8, "minute": 51, "second": 45}
